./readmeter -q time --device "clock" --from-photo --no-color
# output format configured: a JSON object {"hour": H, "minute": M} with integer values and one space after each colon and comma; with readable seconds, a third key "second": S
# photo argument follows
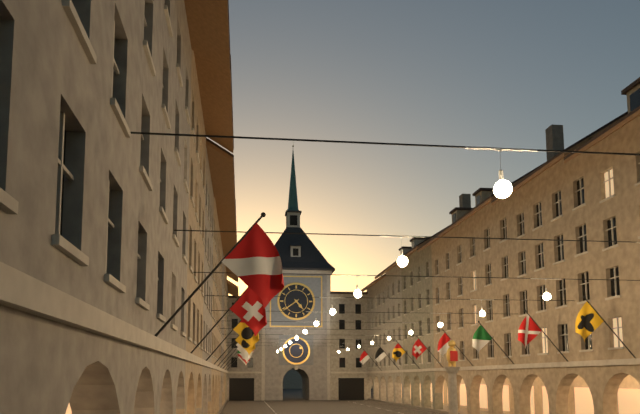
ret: {"hour": 4, "minute": 39}
